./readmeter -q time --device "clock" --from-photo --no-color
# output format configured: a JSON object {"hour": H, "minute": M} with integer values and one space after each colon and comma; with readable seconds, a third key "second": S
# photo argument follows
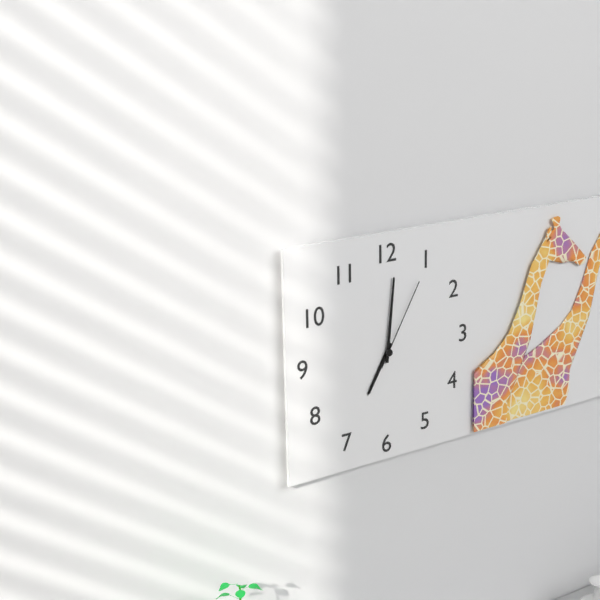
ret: {"hour": 7, "minute": 1, "second": 5}
